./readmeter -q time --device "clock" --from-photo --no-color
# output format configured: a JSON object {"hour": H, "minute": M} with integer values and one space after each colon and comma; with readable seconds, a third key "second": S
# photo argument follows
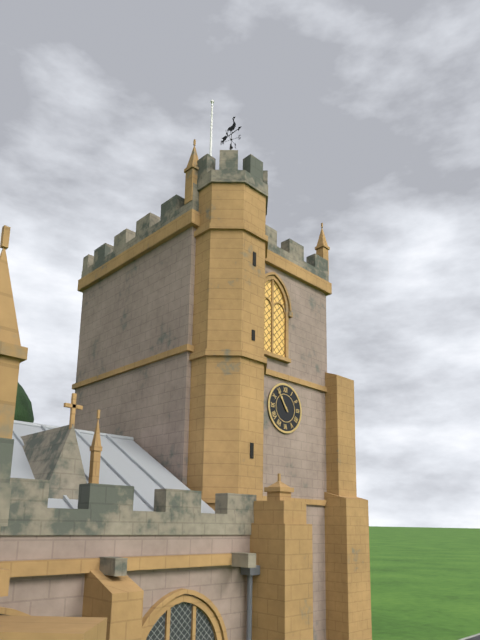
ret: {"hour": 10, "minute": 54}
